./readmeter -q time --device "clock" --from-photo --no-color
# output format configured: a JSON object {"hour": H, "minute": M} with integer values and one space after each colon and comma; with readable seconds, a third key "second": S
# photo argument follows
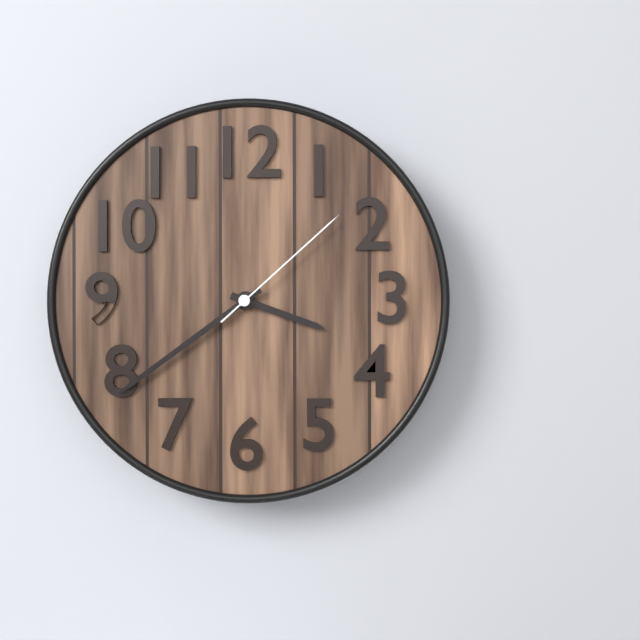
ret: {"hour": 3, "minute": 39, "second": 8}
